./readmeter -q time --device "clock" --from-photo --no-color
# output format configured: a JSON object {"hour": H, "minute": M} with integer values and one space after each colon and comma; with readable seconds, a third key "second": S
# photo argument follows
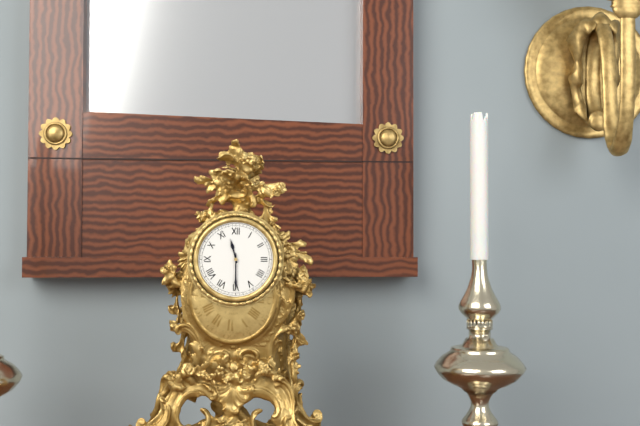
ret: {"hour": 11, "minute": 30}
